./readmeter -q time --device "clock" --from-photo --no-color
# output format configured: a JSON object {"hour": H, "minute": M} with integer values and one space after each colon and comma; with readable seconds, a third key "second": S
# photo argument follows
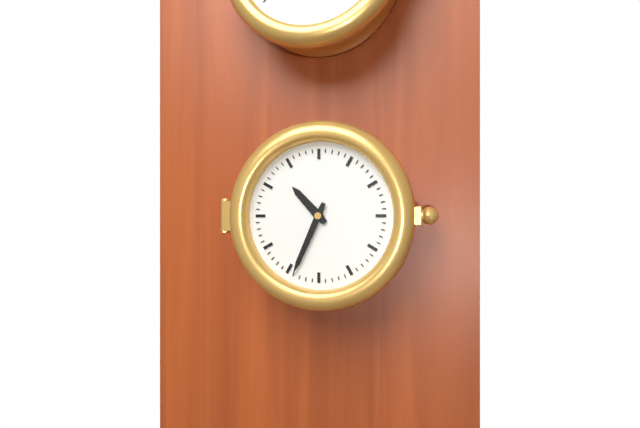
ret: {"hour": 10, "minute": 34}
